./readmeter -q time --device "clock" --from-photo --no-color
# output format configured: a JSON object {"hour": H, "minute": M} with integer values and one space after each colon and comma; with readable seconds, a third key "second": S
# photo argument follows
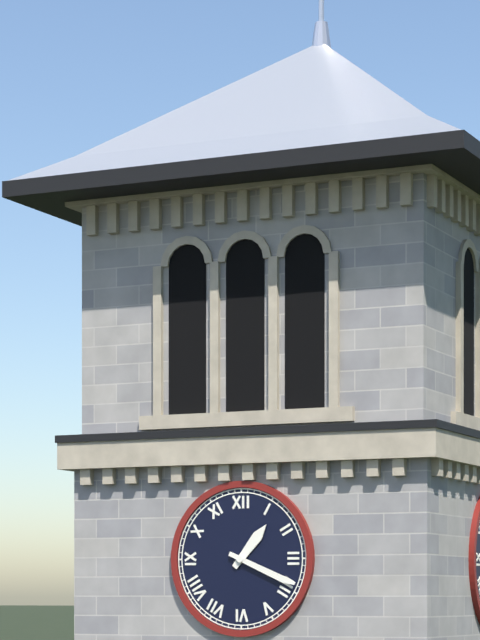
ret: {"hour": 1, "minute": 19}
